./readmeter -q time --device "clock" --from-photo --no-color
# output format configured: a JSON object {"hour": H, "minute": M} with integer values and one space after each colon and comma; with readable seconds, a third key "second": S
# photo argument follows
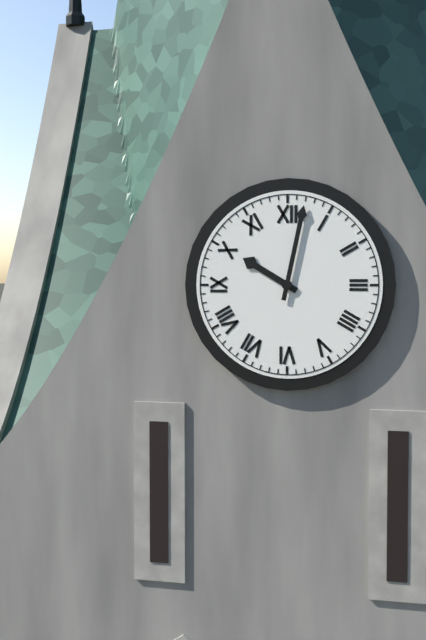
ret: {"hour": 10, "minute": 2}
